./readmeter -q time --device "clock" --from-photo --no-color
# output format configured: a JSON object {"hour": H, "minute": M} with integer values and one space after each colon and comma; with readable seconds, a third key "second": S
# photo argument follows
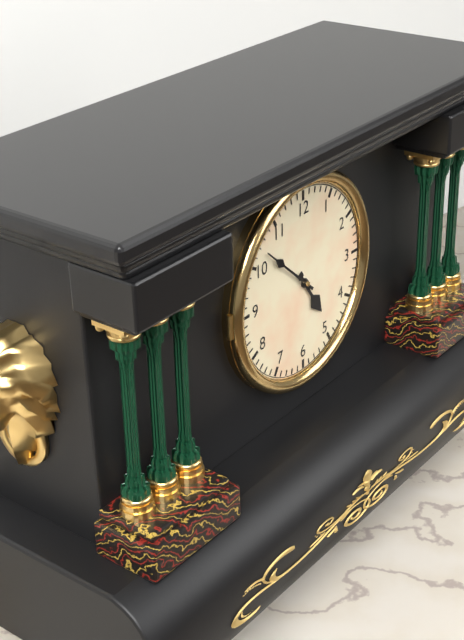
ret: {"hour": 4, "minute": 52}
